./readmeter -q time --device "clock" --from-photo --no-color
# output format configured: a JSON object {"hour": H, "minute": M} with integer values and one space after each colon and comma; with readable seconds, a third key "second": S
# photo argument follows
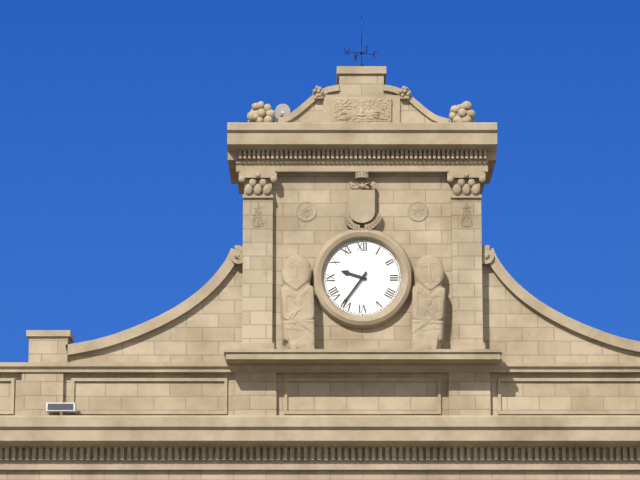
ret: {"hour": 9, "minute": 36}
